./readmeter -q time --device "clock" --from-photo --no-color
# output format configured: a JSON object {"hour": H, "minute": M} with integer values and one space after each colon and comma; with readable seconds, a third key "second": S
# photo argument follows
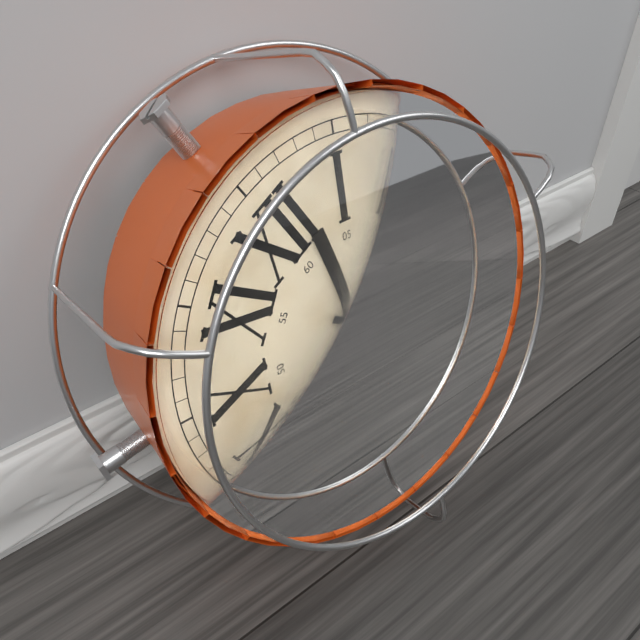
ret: {"hour": 12, "minute": 26}
